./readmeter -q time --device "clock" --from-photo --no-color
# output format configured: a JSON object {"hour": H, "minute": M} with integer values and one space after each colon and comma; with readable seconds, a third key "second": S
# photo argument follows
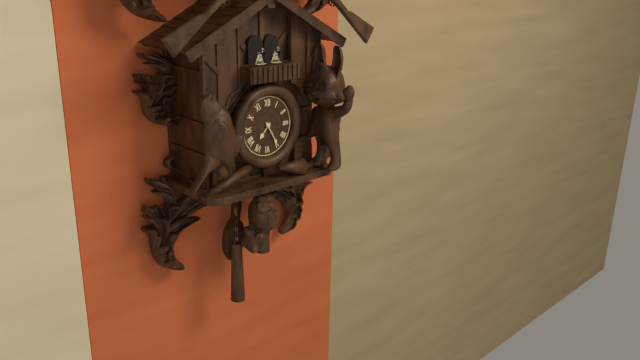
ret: {"hour": 7, "minute": 25}
